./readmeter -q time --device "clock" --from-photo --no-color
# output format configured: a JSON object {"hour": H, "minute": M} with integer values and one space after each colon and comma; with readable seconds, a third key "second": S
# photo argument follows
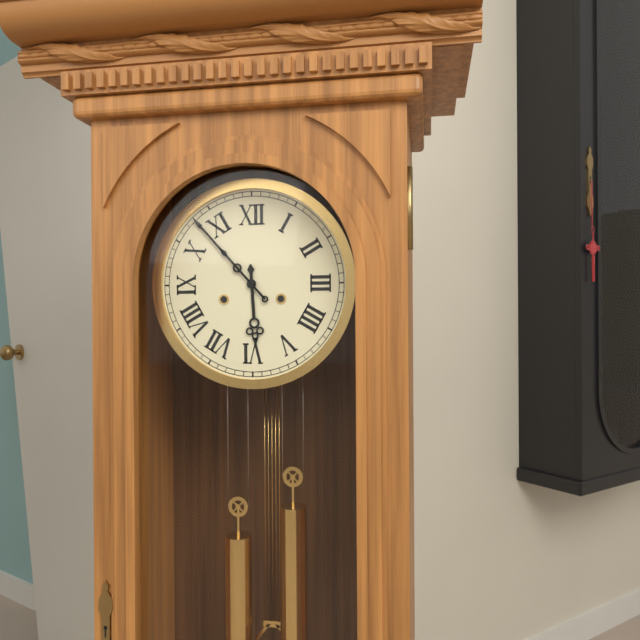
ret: {"hour": 5, "minute": 53}
